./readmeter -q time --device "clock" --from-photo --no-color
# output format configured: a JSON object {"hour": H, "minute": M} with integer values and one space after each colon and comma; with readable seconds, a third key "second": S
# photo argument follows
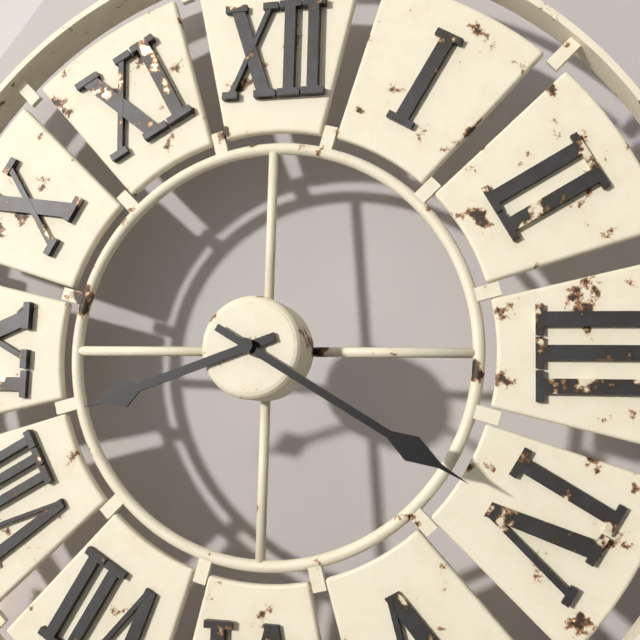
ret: {"hour": 8, "minute": 20}
